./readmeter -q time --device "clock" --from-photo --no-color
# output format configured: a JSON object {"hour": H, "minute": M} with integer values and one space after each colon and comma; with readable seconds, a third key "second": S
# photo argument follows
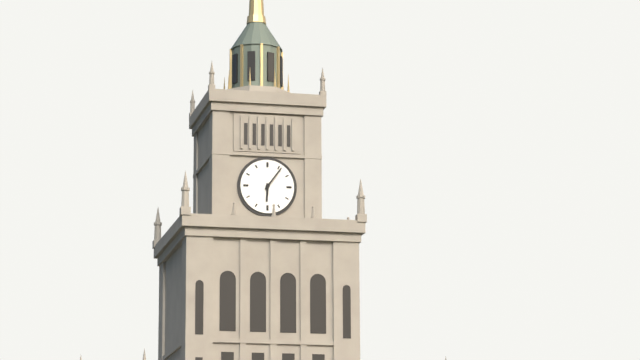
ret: {"hour": 6, "minute": 6}
